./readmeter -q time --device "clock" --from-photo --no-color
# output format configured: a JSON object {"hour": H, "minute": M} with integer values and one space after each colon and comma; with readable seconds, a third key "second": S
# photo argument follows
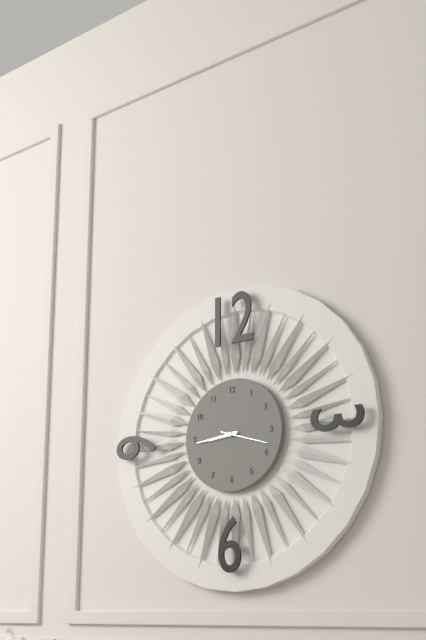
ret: {"hour": 8, "minute": 44}
